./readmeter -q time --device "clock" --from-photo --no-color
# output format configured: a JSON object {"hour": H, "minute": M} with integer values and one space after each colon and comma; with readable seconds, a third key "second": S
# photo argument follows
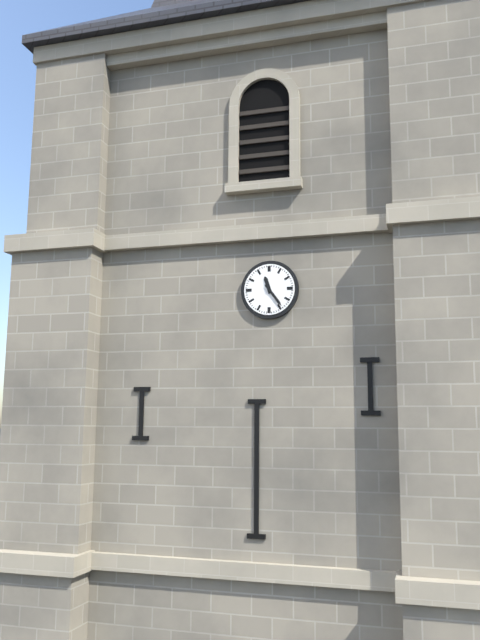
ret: {"hour": 11, "minute": 24}
